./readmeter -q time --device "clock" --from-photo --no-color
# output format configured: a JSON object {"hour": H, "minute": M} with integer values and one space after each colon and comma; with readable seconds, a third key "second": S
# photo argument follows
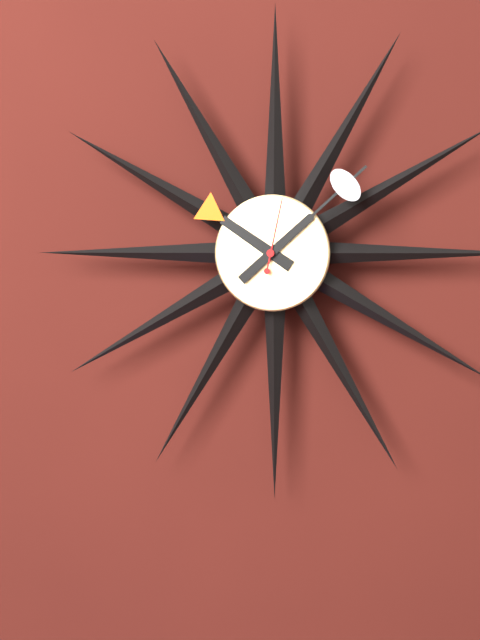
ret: {"hour": 10, "minute": 8, "second": 2}
